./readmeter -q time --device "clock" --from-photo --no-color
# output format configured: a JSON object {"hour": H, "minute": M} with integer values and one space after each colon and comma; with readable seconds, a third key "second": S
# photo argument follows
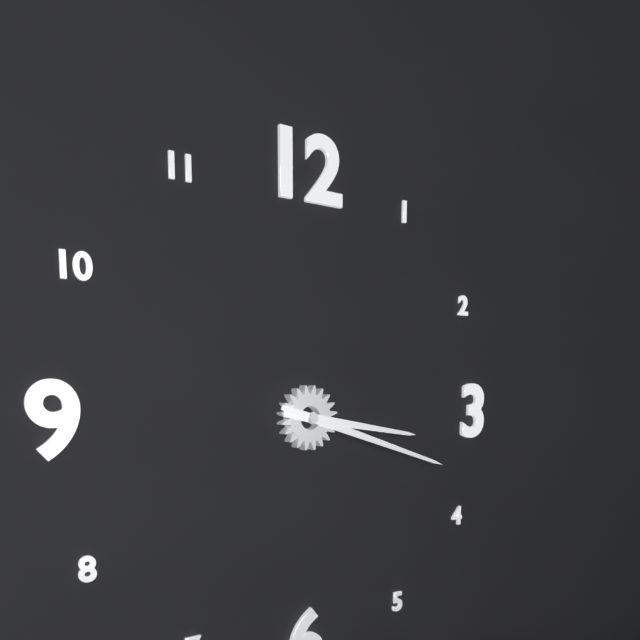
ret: {"hour": 3, "minute": 18}
